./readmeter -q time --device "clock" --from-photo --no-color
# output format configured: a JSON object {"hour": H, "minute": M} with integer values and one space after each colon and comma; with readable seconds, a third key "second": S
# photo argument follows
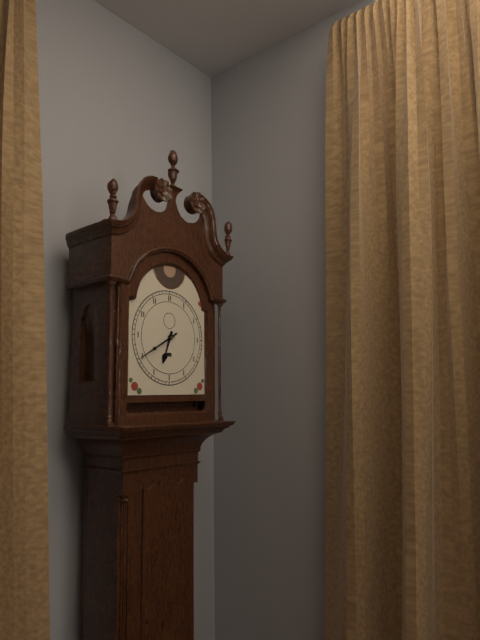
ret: {"hour": 6, "minute": 40}
